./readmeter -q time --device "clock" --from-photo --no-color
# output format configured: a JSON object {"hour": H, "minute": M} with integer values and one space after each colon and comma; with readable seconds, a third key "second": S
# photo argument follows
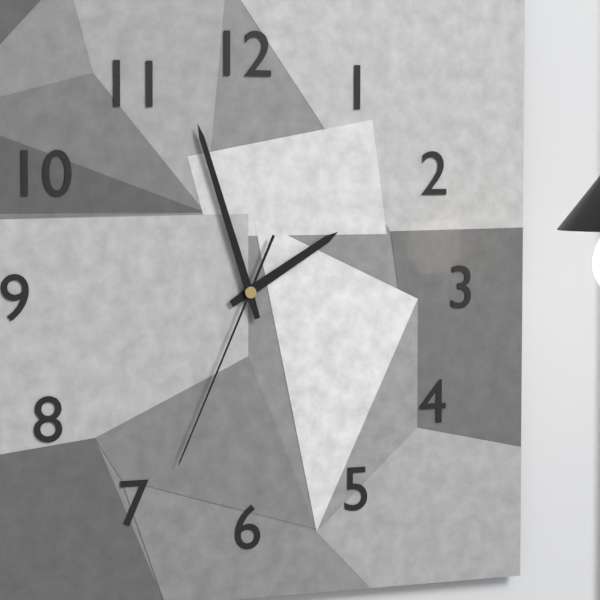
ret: {"hour": 1, "minute": 57, "second": 34}
